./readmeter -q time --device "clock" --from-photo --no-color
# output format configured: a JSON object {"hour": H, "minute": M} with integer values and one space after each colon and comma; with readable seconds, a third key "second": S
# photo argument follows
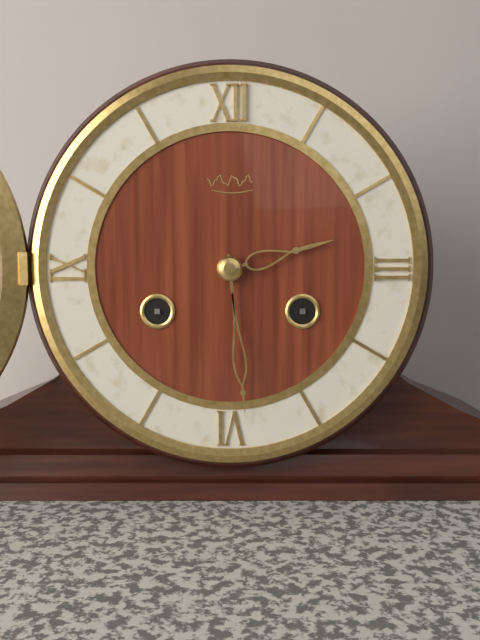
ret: {"hour": 2, "minute": 29}
